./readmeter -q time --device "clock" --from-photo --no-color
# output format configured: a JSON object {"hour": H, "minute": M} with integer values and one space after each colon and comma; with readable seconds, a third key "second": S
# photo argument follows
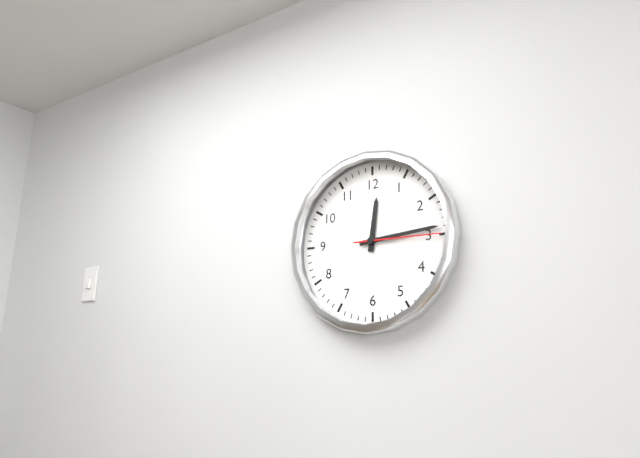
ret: {"hour": 12, "minute": 14, "second": 15}
